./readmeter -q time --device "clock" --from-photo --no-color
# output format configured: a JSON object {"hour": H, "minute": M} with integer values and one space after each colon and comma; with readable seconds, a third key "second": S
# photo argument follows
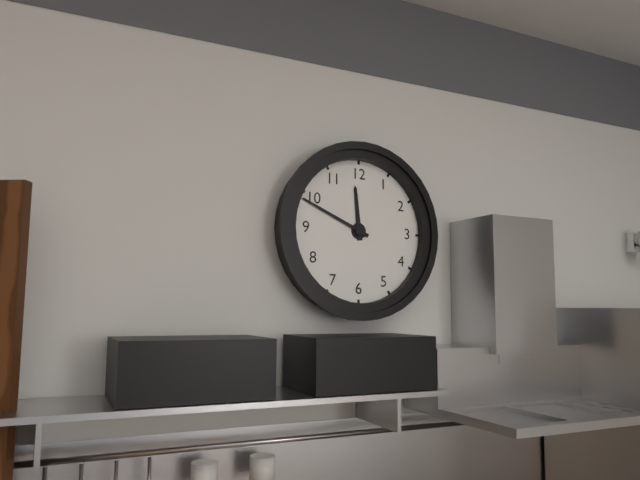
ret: {"hour": 11, "minute": 49}
